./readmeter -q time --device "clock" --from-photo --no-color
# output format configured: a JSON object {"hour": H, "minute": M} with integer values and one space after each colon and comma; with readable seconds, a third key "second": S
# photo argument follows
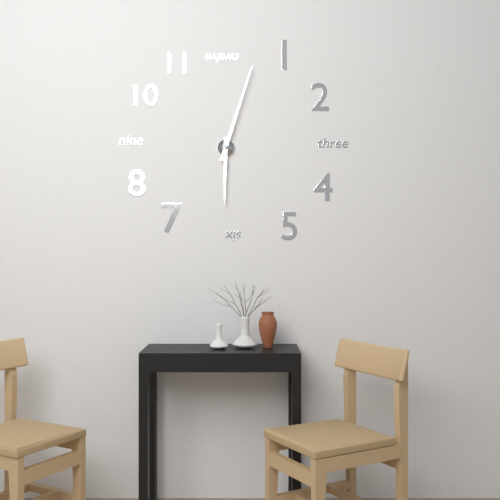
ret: {"hour": 6, "minute": 3}
